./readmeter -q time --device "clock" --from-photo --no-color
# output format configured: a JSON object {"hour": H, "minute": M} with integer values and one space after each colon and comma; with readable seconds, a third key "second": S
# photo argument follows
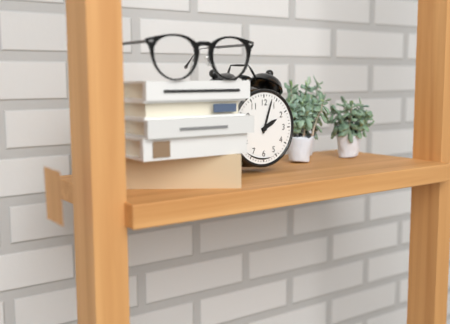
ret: {"hour": 2, "minute": 3}
